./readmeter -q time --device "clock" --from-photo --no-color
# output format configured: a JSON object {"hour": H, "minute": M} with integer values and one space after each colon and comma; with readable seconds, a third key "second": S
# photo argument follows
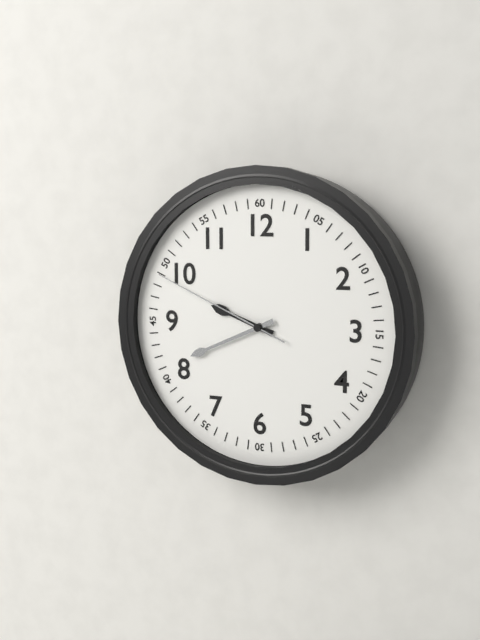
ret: {"hour": 9, "minute": 41, "second": 49}
